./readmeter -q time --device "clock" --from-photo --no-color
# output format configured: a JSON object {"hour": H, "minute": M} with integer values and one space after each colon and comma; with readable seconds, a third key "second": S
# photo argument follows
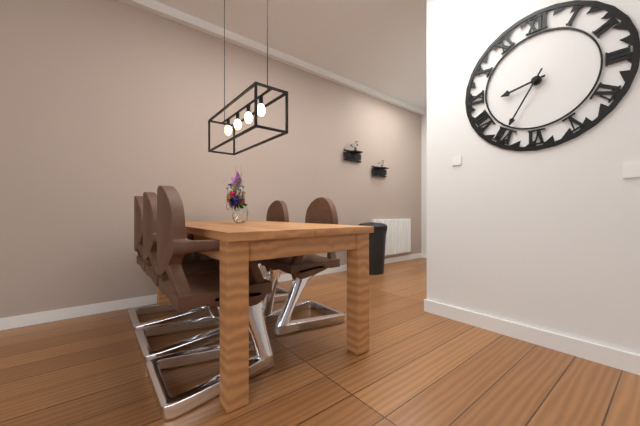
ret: {"hour": 8, "minute": 35}
